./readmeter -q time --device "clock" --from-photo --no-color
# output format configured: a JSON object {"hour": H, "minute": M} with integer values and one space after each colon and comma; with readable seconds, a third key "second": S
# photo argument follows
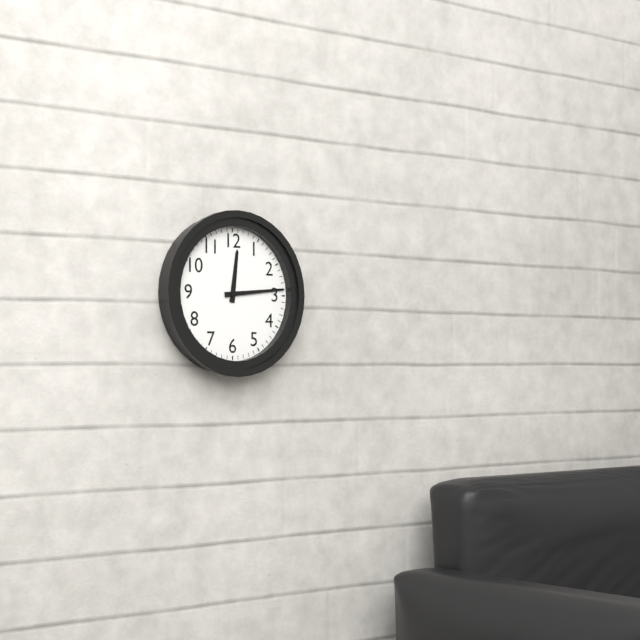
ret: {"hour": 12, "minute": 14}
